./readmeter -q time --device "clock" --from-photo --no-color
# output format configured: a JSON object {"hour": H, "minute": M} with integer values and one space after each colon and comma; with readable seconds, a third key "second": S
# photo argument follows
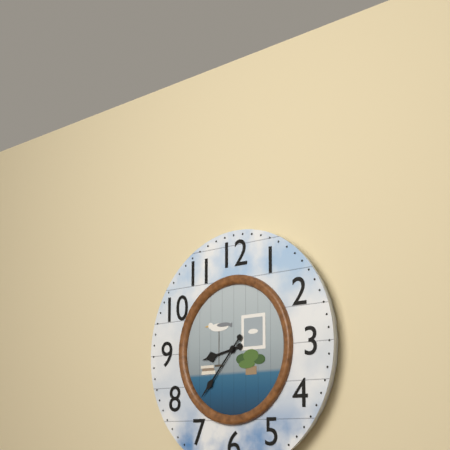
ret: {"hour": 8, "minute": 37}
